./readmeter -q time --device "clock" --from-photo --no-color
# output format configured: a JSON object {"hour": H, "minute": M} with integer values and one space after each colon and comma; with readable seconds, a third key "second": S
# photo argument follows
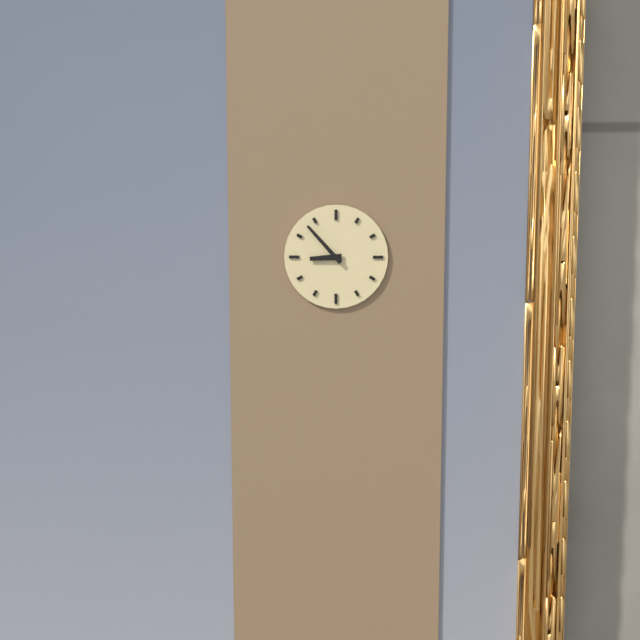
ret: {"hour": 8, "minute": 53}
